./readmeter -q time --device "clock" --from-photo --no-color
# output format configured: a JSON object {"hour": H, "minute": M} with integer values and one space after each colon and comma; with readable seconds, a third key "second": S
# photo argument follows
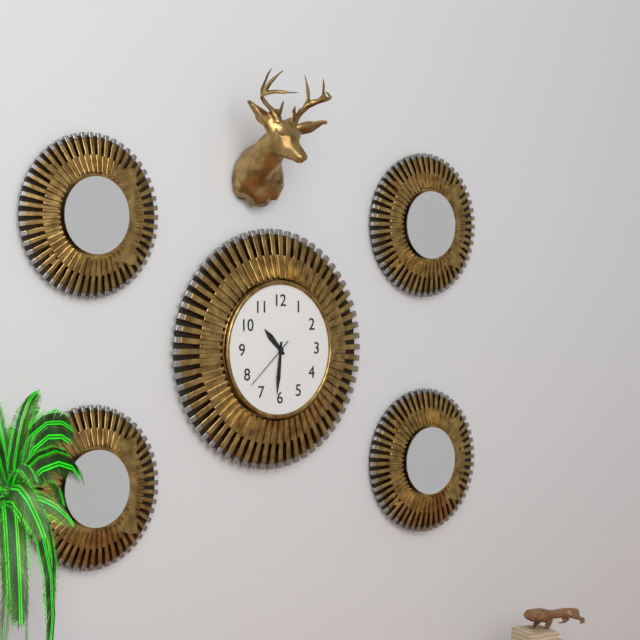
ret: {"hour": 10, "minute": 31, "second": 38}
